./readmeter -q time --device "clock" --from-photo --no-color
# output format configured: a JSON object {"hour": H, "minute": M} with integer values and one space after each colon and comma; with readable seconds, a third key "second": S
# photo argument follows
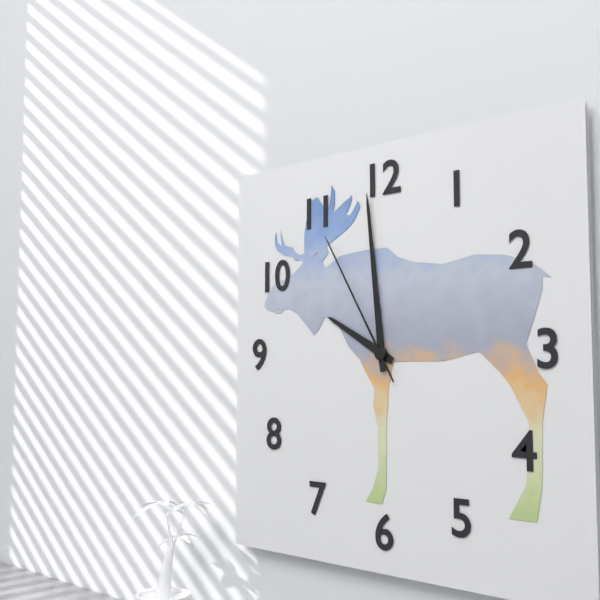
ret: {"hour": 9, "minute": 59, "second": 55}
